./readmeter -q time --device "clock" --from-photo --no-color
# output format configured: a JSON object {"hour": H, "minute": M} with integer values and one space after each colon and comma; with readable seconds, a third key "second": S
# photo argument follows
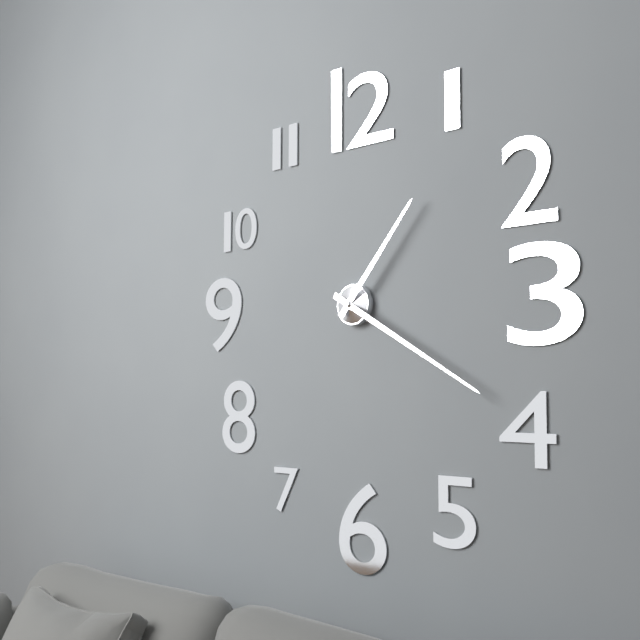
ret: {"hour": 1, "minute": 20}
